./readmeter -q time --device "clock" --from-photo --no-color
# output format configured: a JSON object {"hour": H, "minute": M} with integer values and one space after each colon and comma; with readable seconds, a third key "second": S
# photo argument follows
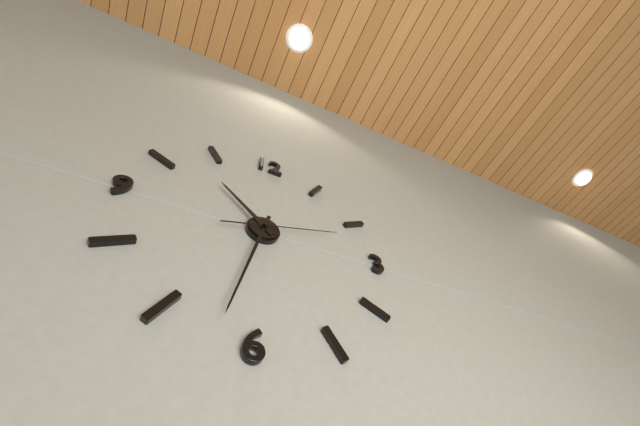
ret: {"hour": 10, "minute": 32, "second": 12}
